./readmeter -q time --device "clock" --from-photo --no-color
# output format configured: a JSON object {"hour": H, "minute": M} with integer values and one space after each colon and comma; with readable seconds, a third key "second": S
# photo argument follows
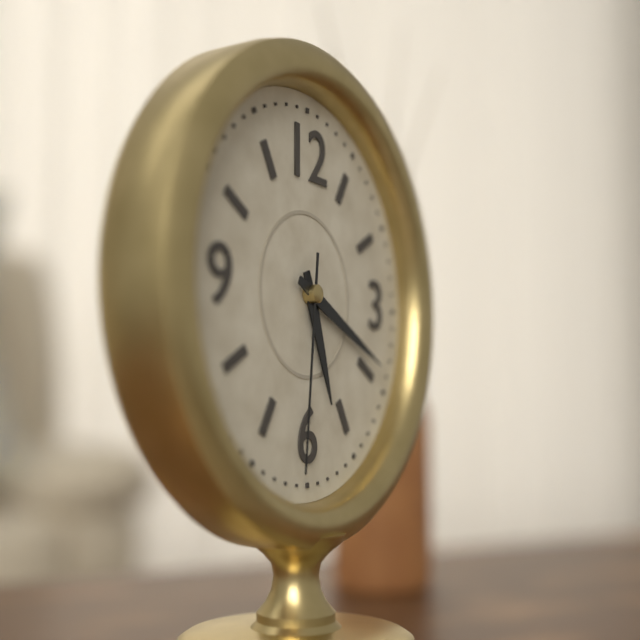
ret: {"hour": 5, "minute": 19, "second": 31}
